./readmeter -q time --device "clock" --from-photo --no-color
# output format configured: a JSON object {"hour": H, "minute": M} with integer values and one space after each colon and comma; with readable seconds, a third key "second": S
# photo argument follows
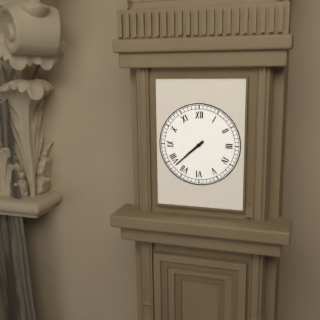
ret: {"hour": 7, "minute": 38}
